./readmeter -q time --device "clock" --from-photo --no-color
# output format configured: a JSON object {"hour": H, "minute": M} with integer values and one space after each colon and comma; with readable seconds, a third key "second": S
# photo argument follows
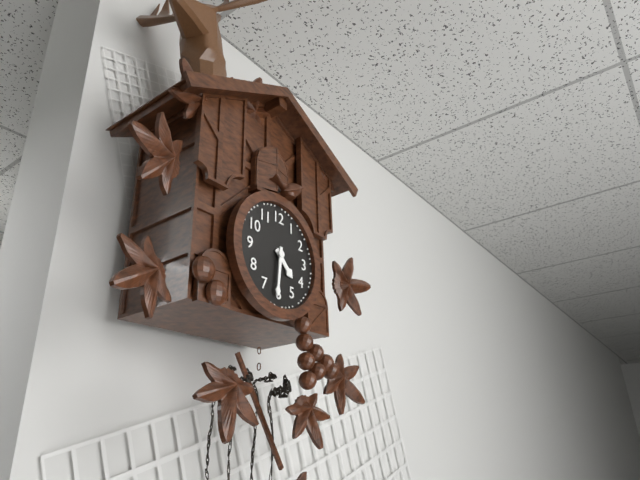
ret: {"hour": 4, "minute": 31}
